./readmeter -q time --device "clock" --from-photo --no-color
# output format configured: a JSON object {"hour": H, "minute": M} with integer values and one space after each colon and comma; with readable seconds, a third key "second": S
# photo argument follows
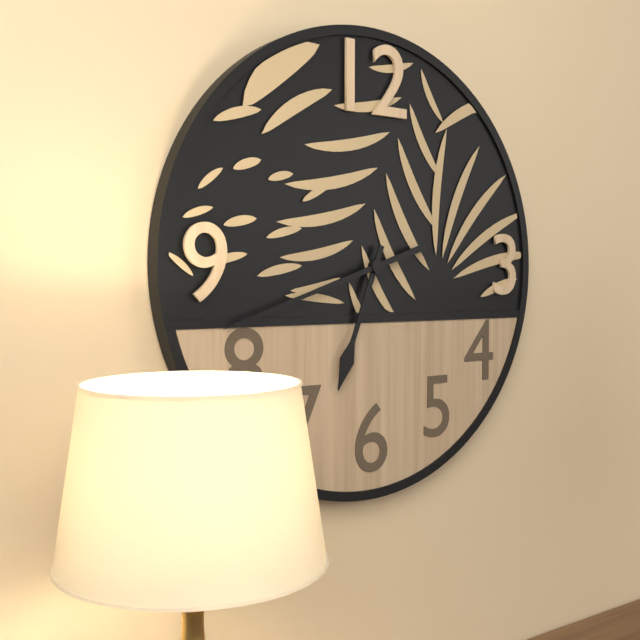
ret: {"hour": 6, "minute": 42}
